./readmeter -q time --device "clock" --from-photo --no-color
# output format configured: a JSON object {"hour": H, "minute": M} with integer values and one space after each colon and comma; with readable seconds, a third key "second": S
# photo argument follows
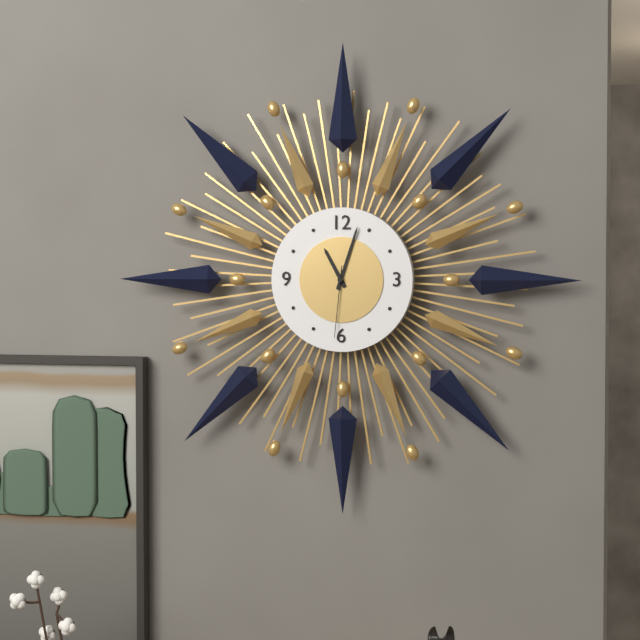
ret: {"hour": 11, "minute": 3, "second": 31}
